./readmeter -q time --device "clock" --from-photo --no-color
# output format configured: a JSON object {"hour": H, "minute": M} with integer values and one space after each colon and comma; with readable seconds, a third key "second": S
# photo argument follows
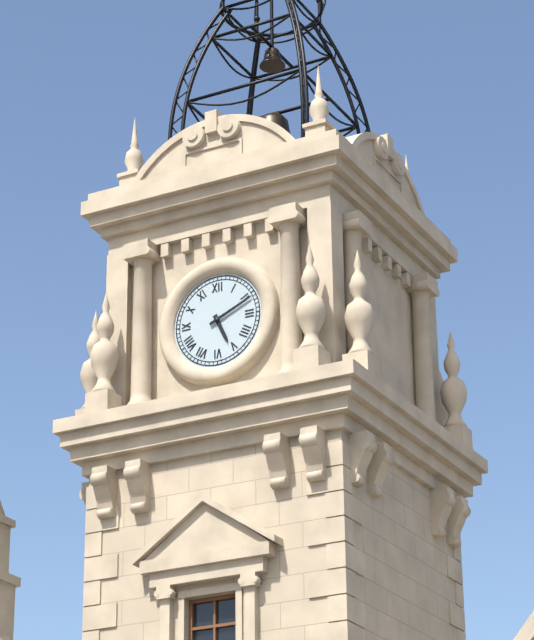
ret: {"hour": 5, "minute": 11}
